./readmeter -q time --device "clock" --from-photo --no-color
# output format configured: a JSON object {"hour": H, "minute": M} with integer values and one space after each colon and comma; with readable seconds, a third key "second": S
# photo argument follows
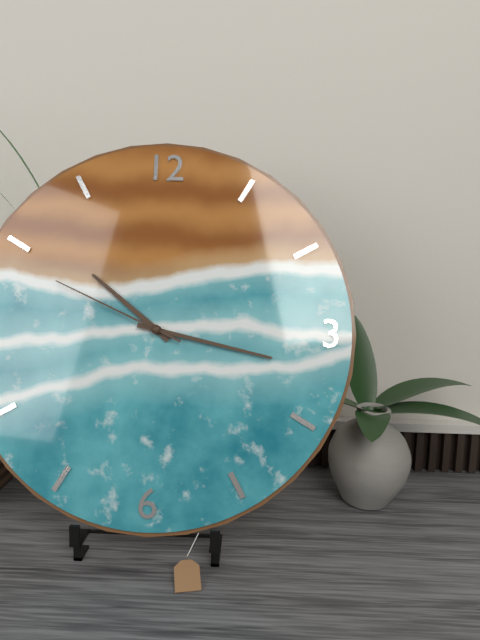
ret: {"hour": 10, "minute": 17, "second": 49}
